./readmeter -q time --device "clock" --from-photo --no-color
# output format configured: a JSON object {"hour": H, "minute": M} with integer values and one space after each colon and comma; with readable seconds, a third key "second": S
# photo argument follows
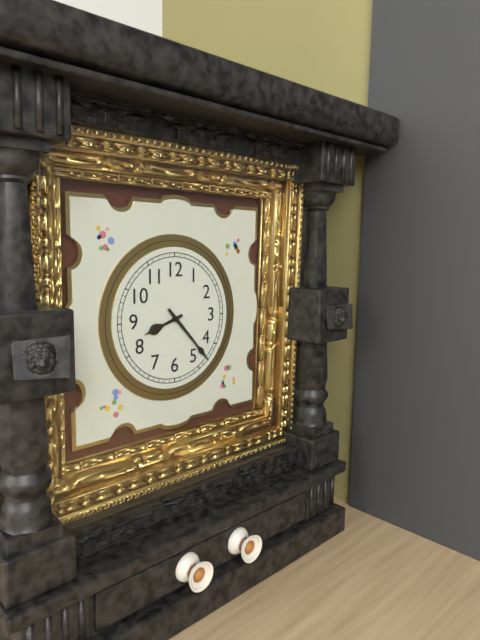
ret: {"hour": 8, "minute": 23}
